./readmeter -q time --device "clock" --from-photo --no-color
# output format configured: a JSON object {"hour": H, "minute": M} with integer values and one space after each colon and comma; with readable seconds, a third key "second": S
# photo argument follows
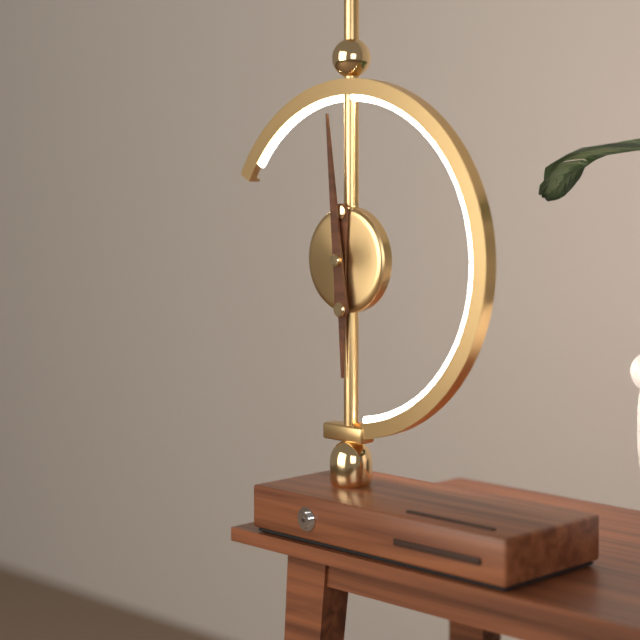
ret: {"hour": 5, "minute": 59}
